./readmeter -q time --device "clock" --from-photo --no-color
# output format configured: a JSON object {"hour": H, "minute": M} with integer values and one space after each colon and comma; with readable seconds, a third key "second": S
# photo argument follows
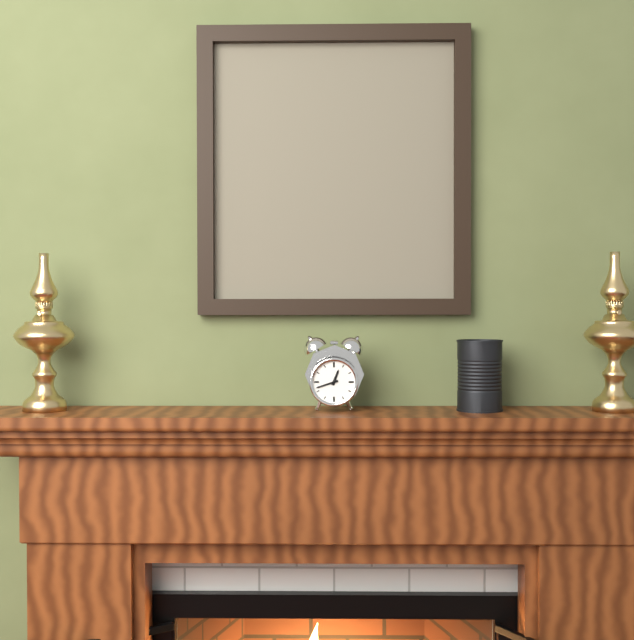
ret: {"hour": 12, "minute": 42}
